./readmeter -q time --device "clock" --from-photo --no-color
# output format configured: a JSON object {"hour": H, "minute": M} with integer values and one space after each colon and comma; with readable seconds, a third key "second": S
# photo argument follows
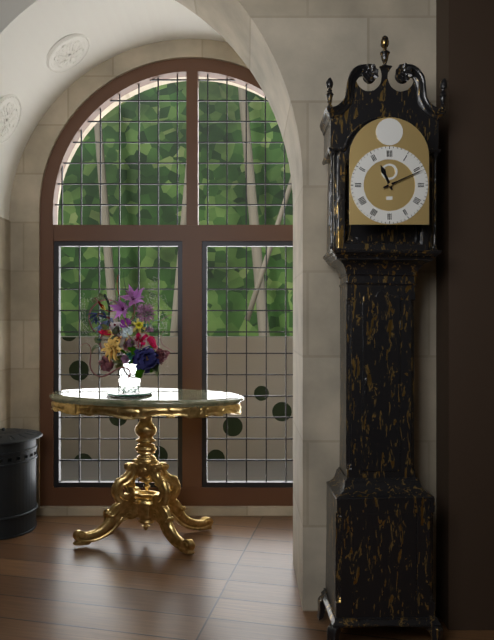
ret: {"hour": 11, "minute": 11}
